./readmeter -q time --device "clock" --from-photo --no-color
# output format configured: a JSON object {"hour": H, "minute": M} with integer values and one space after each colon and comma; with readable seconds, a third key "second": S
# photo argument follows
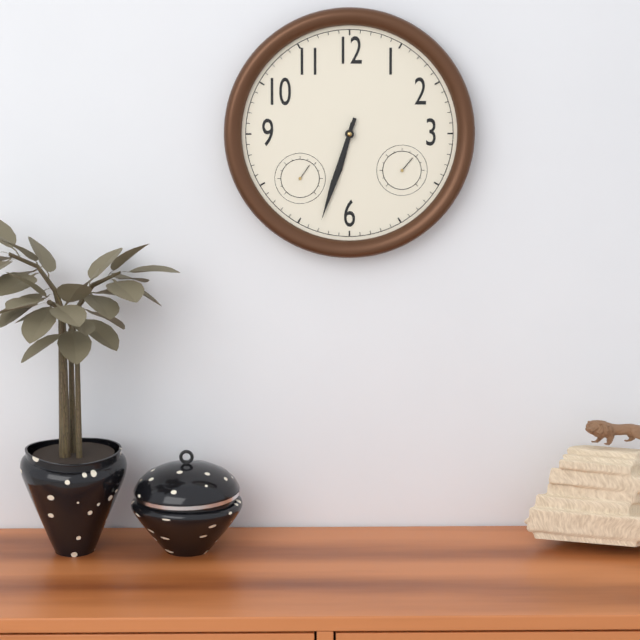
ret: {"hour": 6, "minute": 33}
